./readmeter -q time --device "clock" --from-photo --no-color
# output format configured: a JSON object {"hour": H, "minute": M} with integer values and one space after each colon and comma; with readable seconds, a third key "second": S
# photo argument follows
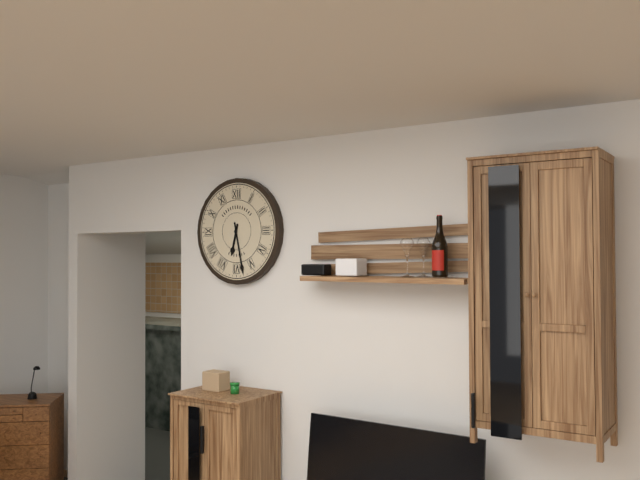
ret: {"hour": 6, "minute": 28}
